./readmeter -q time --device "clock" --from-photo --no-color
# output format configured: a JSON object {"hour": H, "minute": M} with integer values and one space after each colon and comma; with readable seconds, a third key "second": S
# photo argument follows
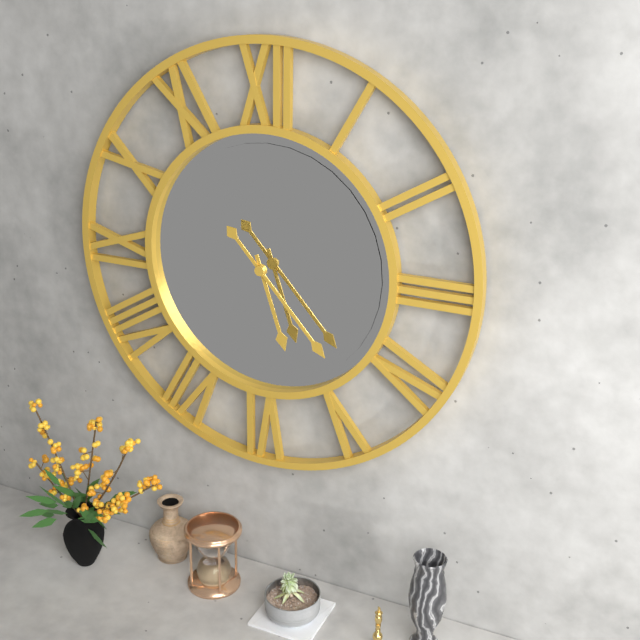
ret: {"hour": 5, "minute": 23}
